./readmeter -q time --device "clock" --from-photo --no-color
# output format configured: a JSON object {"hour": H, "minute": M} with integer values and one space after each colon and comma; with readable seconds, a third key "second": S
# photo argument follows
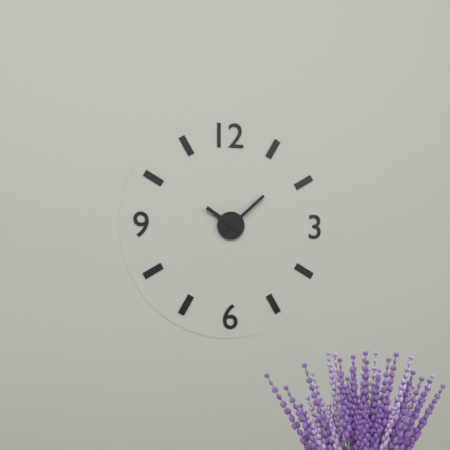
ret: {"hour": 10, "minute": 8}
